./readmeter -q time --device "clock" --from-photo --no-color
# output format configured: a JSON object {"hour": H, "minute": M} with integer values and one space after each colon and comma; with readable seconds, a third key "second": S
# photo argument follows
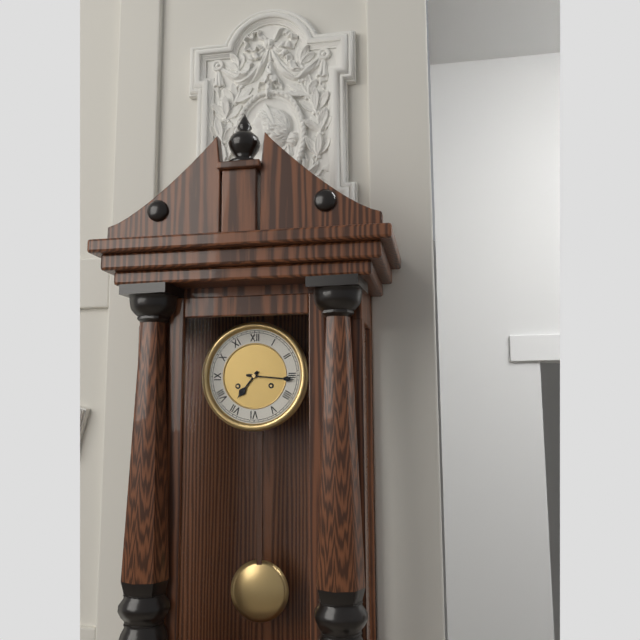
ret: {"hour": 7, "minute": 16}
